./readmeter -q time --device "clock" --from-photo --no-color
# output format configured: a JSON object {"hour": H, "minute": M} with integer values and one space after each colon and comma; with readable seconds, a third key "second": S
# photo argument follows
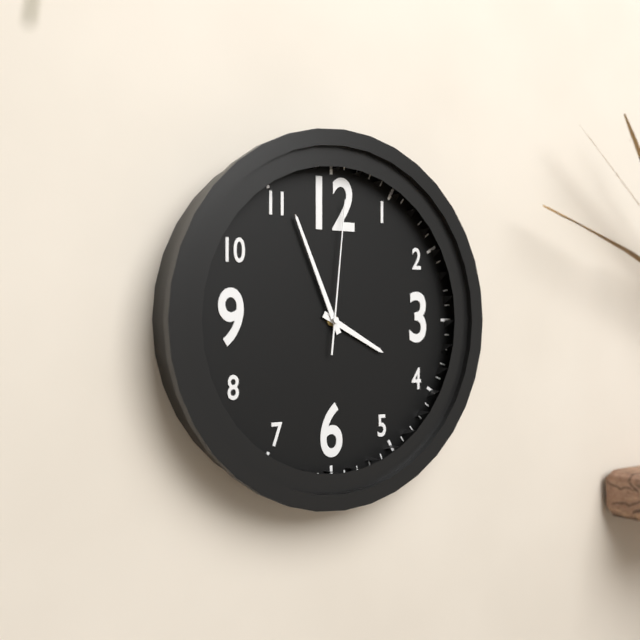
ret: {"hour": 3, "minute": 56, "second": 1}
